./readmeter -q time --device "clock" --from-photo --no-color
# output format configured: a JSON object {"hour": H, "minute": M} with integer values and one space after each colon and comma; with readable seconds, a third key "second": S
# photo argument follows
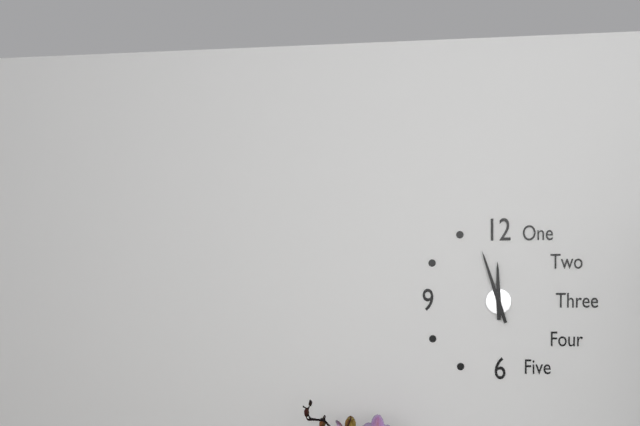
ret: {"hour": 11, "minute": 57}
